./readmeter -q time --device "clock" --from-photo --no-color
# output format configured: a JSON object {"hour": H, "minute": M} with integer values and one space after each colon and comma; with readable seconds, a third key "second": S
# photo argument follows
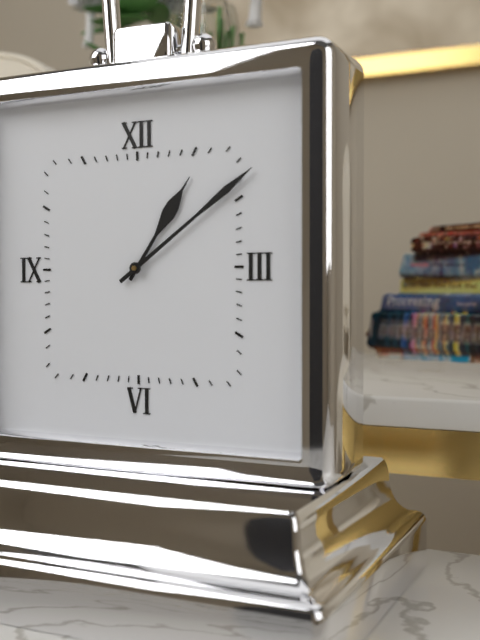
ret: {"hour": 1, "minute": 9}
